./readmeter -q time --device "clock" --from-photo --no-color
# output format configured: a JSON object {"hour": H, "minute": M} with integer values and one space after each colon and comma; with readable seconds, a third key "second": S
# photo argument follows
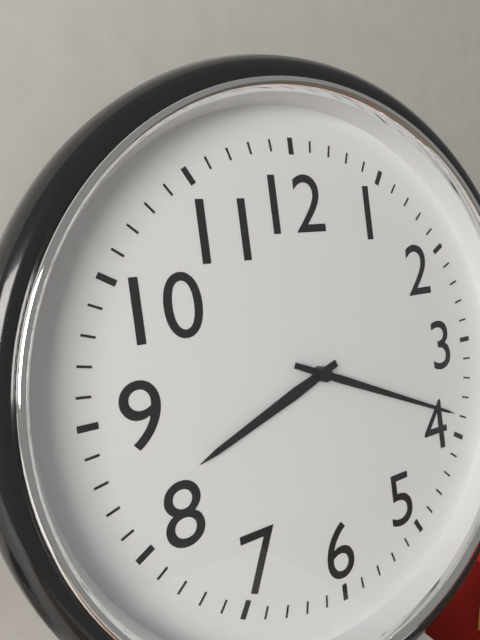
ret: {"hour": 8, "minute": 19}
